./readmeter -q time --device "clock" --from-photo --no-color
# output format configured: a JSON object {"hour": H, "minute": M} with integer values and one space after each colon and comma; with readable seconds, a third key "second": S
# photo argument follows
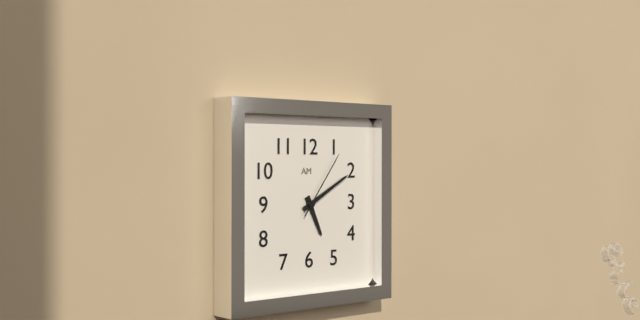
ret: {"hour": 5, "minute": 10, "second": 6}
